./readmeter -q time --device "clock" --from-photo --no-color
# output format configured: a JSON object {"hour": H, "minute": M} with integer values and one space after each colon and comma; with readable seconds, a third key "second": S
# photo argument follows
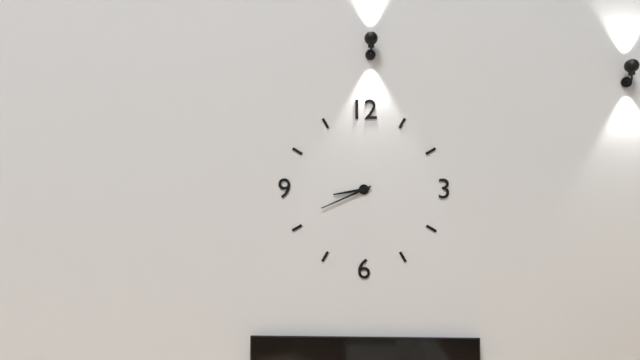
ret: {"hour": 8, "minute": 41}
